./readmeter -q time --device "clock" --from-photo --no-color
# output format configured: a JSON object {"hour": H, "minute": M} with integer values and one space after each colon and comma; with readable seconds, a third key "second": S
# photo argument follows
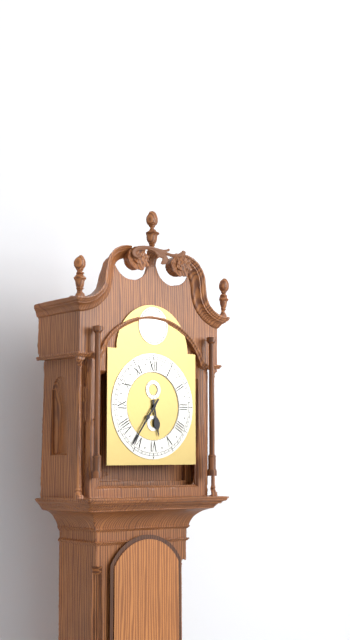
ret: {"hour": 5, "minute": 36}
